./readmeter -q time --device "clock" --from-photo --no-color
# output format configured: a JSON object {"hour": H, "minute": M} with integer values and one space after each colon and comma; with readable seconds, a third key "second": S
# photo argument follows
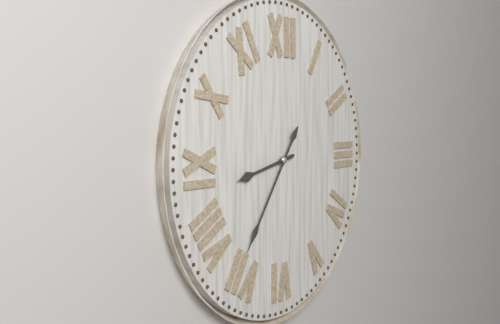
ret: {"hour": 8, "minute": 36}
